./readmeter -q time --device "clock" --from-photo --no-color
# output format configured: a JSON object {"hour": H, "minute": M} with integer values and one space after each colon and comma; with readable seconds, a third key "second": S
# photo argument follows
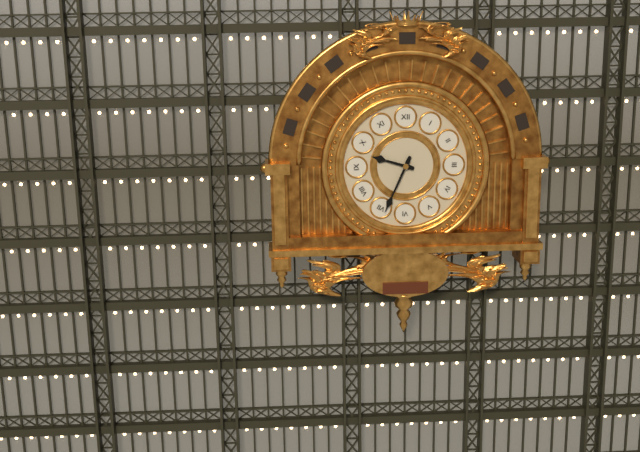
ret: {"hour": 9, "minute": 34}
